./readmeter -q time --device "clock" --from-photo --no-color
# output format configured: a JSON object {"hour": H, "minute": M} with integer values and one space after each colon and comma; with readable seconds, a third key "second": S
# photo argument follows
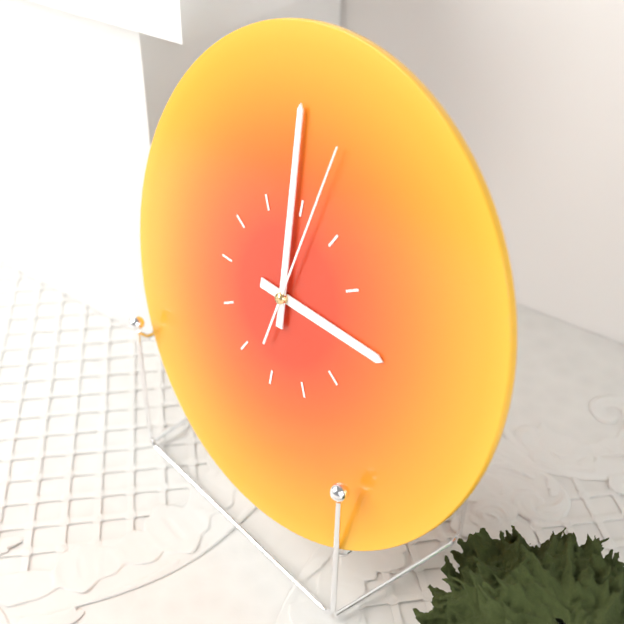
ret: {"hour": 2, "minute": 59, "second": 2}
